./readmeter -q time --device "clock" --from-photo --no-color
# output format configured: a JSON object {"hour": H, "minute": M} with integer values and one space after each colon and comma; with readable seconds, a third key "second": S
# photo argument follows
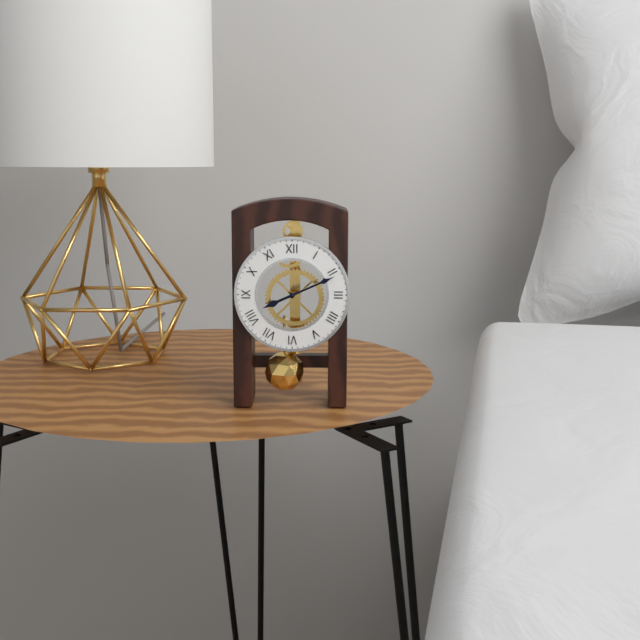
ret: {"hour": 8, "minute": 11}
